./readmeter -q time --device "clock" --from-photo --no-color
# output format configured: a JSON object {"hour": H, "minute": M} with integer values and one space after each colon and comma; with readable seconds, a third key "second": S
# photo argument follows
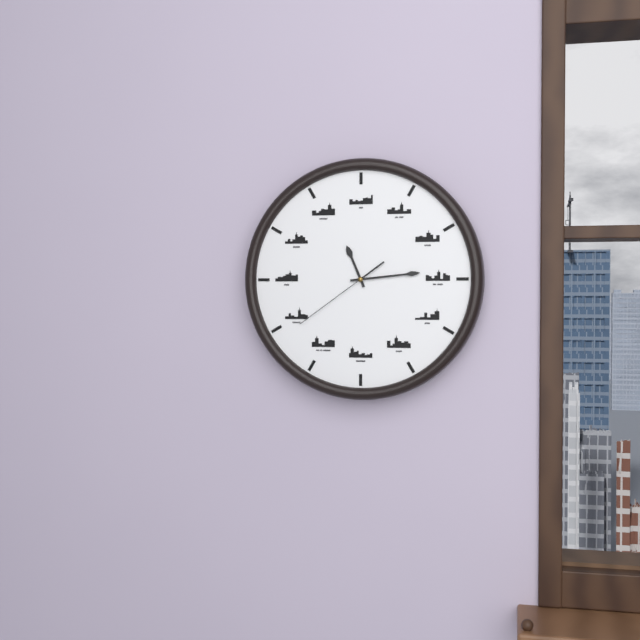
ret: {"hour": 11, "minute": 14, "second": 39}
